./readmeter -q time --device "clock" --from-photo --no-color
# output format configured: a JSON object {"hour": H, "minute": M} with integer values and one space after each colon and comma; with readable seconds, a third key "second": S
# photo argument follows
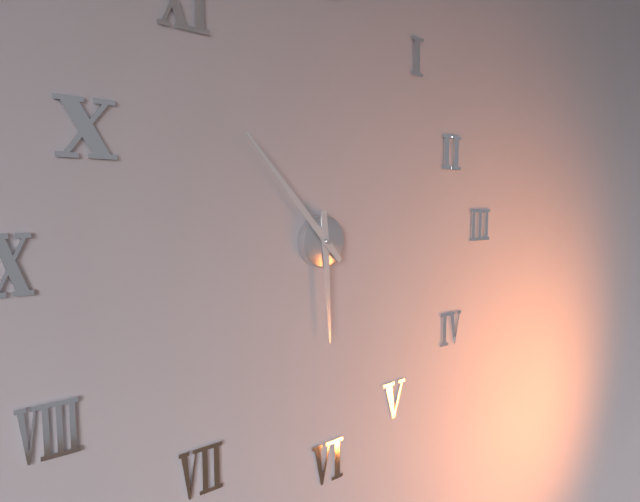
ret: {"hour": 5, "minute": 53}
